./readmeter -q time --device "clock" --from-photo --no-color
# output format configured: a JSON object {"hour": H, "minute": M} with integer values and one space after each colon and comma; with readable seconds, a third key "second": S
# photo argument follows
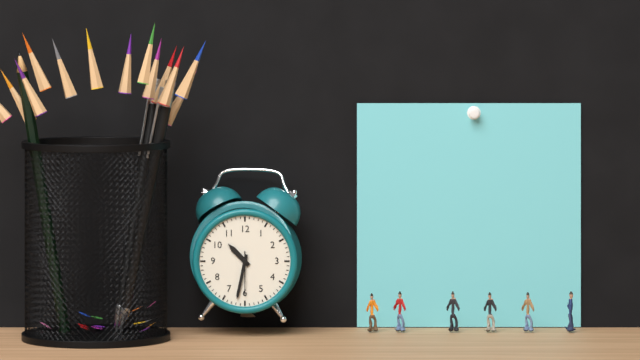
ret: {"hour": 10, "minute": 32}
